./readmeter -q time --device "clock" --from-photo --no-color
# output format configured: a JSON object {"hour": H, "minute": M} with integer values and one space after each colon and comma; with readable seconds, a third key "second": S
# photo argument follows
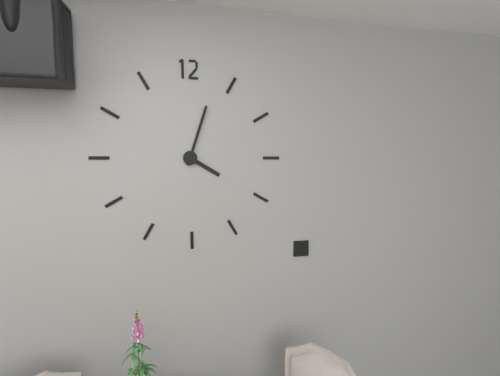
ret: {"hour": 4, "minute": 3}
